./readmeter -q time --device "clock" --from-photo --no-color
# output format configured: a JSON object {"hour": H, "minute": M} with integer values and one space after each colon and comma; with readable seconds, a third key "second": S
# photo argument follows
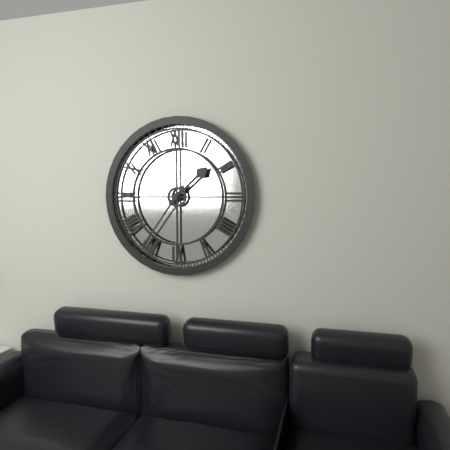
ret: {"hour": 1, "minute": 36}
